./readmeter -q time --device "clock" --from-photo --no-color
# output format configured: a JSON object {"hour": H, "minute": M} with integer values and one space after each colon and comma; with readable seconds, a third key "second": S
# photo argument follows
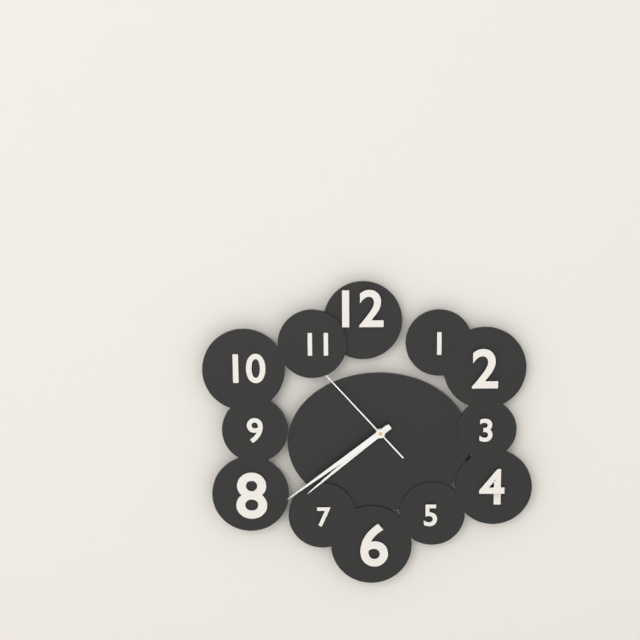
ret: {"hour": 7, "minute": 39, "second": 53}
